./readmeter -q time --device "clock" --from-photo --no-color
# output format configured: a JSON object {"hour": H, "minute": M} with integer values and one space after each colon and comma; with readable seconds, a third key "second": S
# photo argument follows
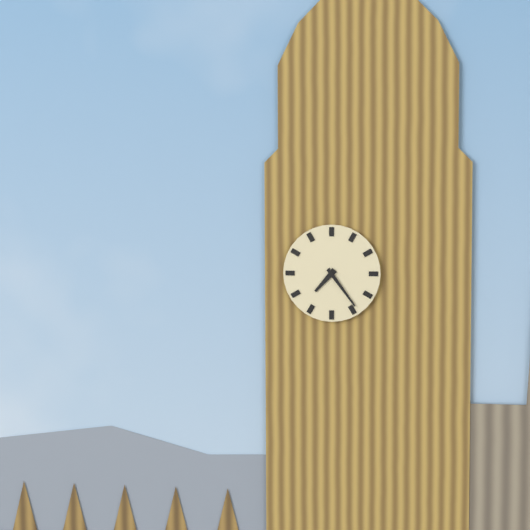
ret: {"hour": 7, "minute": 24}
